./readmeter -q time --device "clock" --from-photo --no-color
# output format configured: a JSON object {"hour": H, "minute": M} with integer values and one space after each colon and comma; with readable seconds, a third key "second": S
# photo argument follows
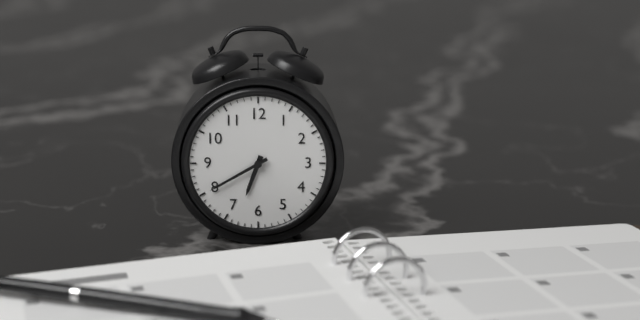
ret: {"hour": 6, "minute": 40}
